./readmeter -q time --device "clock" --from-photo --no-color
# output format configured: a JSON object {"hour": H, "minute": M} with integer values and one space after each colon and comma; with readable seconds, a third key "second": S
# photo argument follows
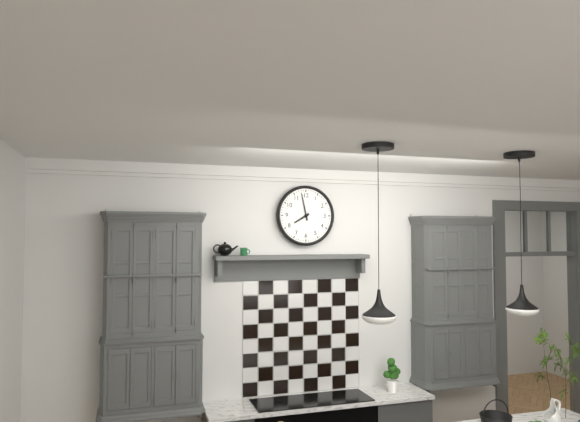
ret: {"hour": 7, "minute": 58}
